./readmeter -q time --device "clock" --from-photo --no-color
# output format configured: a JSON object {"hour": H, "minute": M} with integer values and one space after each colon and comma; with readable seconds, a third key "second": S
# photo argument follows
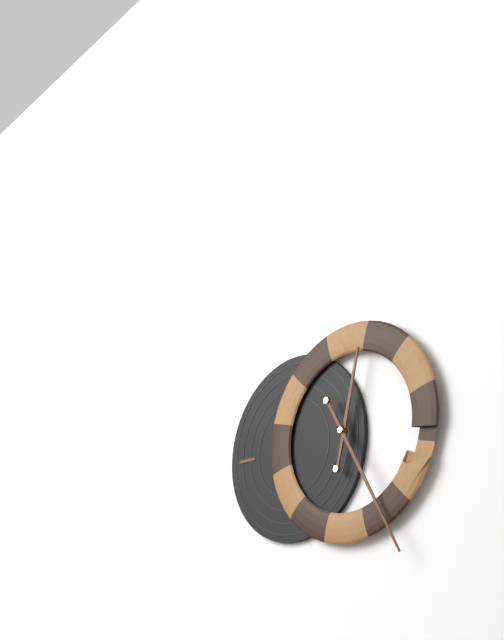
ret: {"hour": 12, "minute": 25}
